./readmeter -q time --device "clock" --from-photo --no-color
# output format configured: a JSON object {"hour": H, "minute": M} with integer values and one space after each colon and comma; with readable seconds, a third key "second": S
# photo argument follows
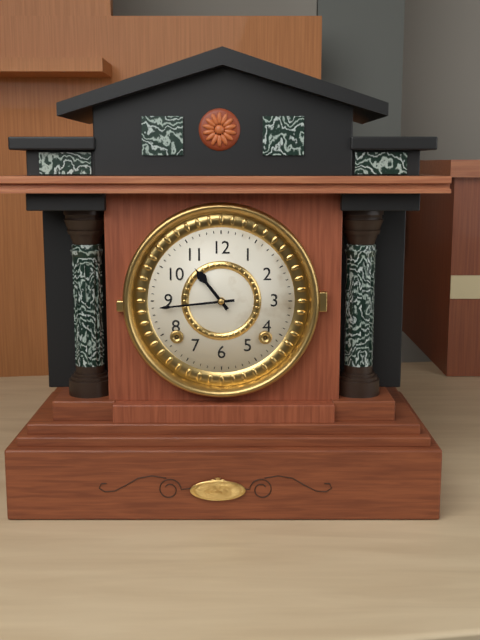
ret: {"hour": 10, "minute": 44}
